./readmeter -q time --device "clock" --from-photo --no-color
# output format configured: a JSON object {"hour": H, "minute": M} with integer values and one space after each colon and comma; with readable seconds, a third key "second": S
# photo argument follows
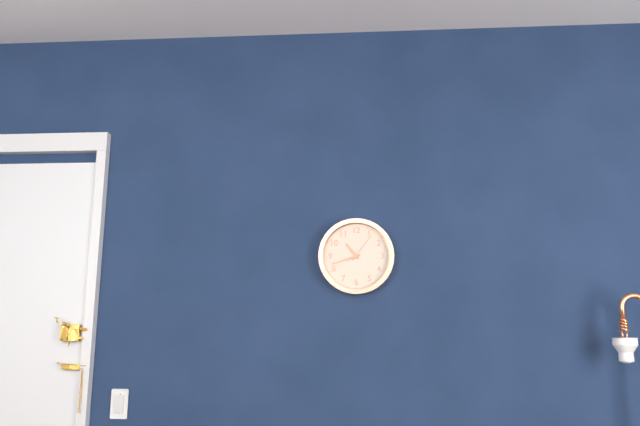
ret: {"hour": 10, "minute": 42}
